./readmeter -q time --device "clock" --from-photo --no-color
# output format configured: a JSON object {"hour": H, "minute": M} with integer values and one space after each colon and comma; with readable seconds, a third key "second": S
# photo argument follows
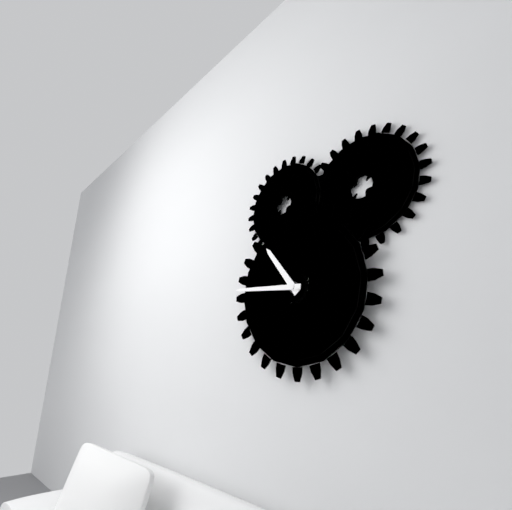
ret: {"hour": 10, "minute": 46}
